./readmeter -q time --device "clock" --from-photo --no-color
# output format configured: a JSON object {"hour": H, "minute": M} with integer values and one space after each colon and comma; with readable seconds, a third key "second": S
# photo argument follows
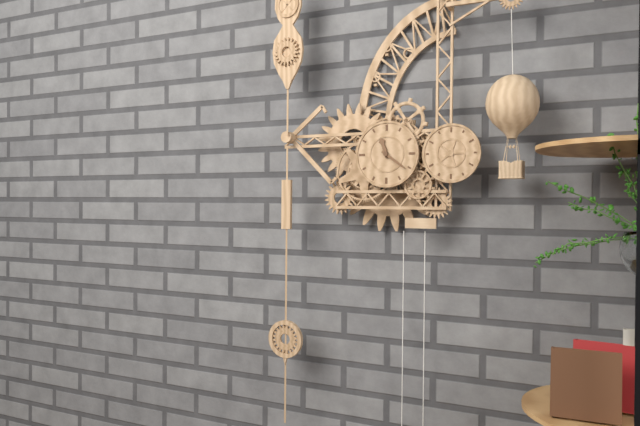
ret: {"hour": 11, "minute": 21}
